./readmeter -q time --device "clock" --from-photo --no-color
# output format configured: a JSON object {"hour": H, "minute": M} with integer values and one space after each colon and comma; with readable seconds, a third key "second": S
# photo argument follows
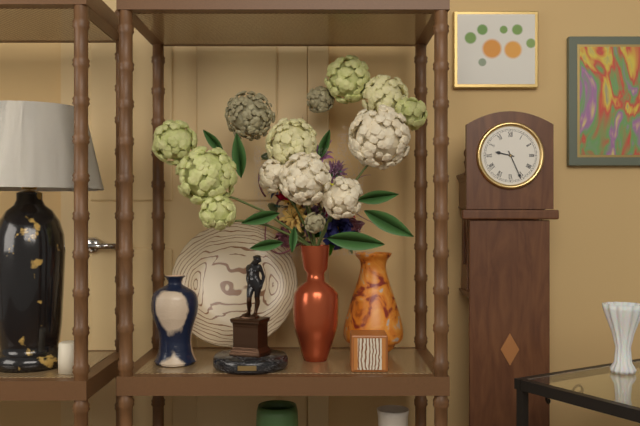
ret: {"hour": 9, "minute": 26}
